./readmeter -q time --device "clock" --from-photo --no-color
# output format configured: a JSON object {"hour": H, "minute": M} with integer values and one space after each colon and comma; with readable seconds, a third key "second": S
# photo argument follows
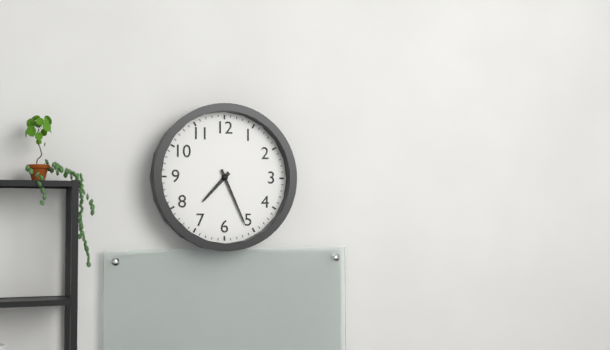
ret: {"hour": 7, "minute": 26}
